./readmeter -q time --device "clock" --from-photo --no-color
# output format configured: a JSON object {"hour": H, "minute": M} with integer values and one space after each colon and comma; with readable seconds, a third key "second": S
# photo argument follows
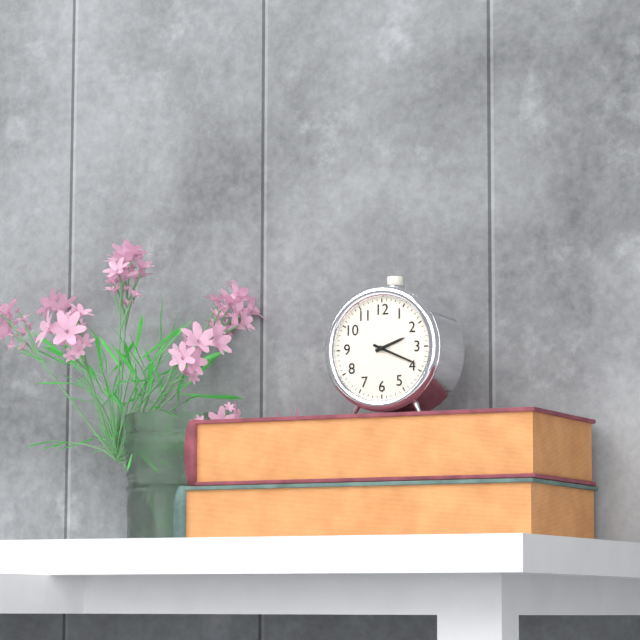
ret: {"hour": 2, "minute": 19}
